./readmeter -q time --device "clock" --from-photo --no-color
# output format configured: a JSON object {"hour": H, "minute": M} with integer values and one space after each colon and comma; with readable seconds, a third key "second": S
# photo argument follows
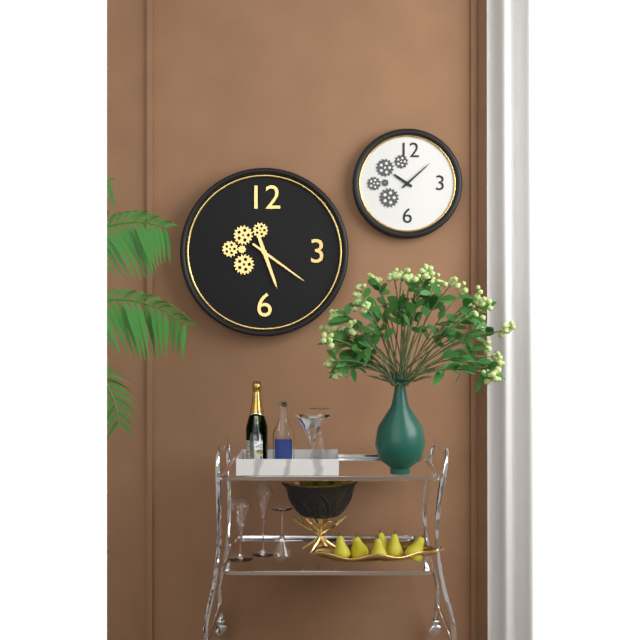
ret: {"hour": 5, "minute": 21}
